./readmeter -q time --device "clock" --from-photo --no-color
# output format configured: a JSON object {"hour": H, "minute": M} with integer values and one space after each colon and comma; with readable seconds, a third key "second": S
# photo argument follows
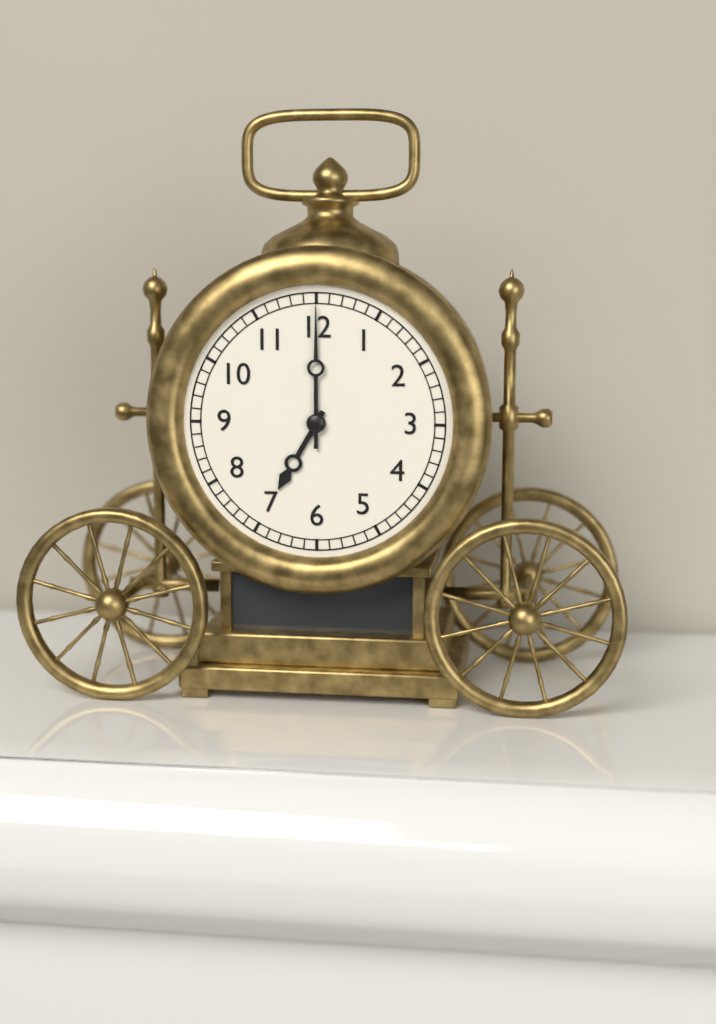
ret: {"hour": 7, "minute": 0}
